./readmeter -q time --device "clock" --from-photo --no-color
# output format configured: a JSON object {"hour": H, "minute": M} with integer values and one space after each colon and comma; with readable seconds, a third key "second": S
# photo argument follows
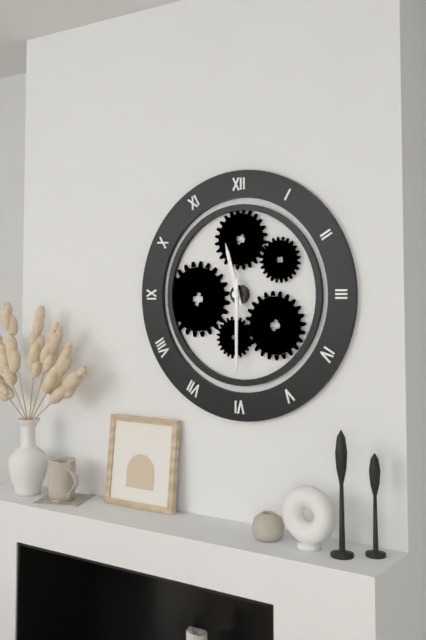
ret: {"hour": 11, "minute": 30}
